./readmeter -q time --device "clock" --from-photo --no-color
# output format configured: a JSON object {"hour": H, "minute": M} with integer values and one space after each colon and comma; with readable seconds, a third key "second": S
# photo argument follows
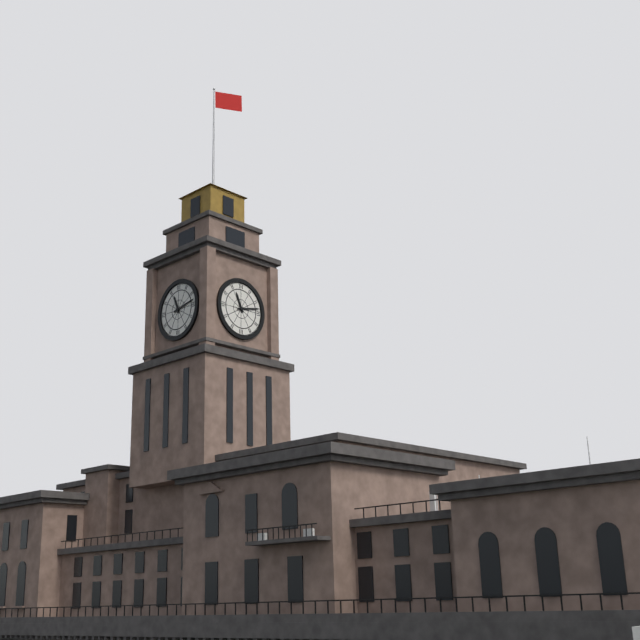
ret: {"hour": 11, "minute": 13}
